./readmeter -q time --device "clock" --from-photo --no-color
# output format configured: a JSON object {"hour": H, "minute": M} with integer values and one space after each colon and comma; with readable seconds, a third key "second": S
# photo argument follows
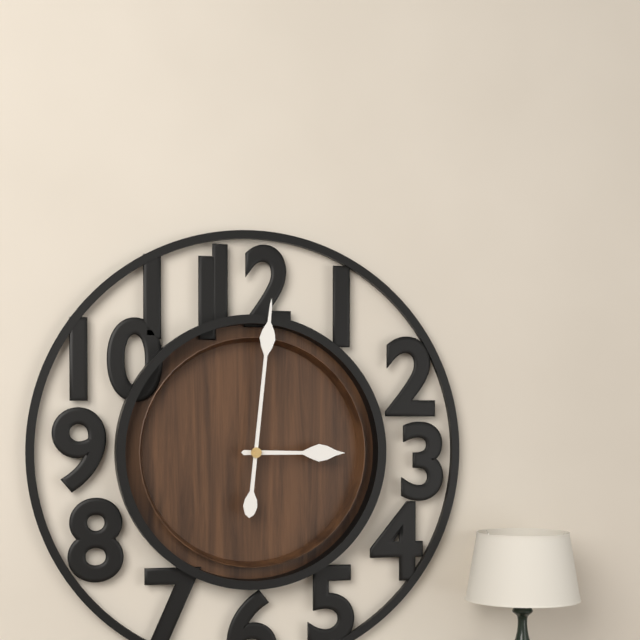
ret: {"hour": 3, "minute": 1}
